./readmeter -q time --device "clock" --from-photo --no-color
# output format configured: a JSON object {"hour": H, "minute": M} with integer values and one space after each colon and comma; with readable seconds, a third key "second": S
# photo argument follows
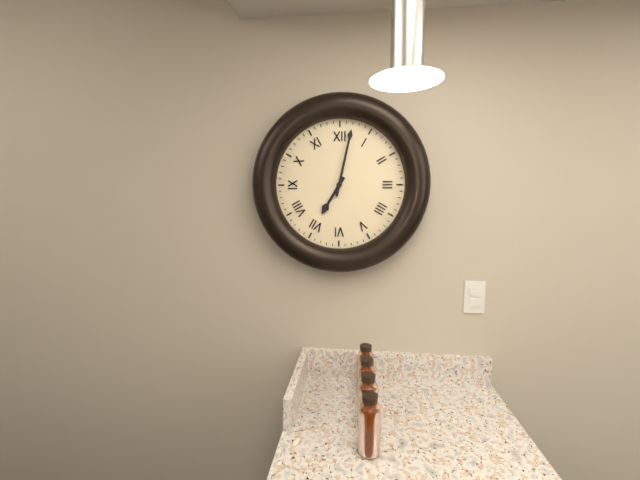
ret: {"hour": 7, "minute": 2}
